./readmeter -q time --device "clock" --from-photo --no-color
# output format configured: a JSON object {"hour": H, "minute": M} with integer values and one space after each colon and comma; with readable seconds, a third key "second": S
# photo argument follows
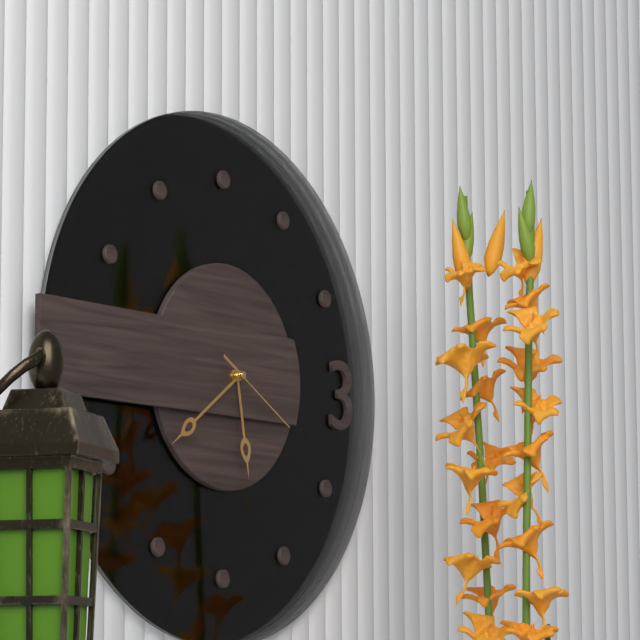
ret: {"hour": 5, "minute": 39, "second": 20}
